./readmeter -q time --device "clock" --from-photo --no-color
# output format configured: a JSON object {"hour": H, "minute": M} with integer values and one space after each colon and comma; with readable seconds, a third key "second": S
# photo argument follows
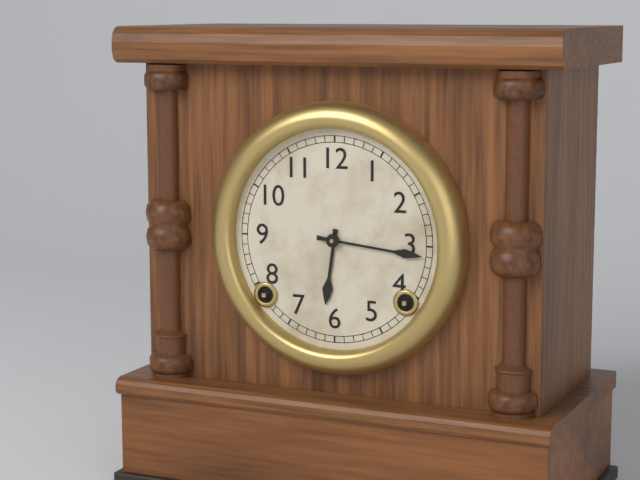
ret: {"hour": 6, "minute": 16}
